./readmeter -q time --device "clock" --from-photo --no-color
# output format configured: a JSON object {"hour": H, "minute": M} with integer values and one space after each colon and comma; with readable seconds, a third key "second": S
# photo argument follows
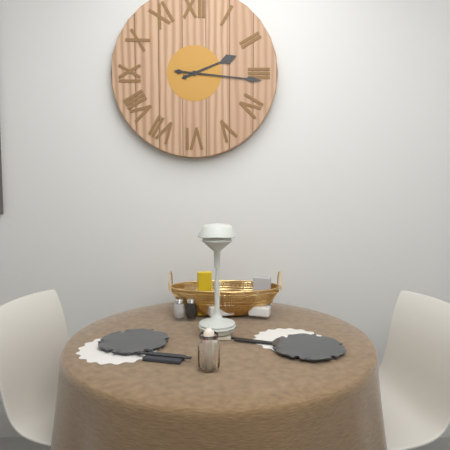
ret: {"hour": 2, "minute": 16}
